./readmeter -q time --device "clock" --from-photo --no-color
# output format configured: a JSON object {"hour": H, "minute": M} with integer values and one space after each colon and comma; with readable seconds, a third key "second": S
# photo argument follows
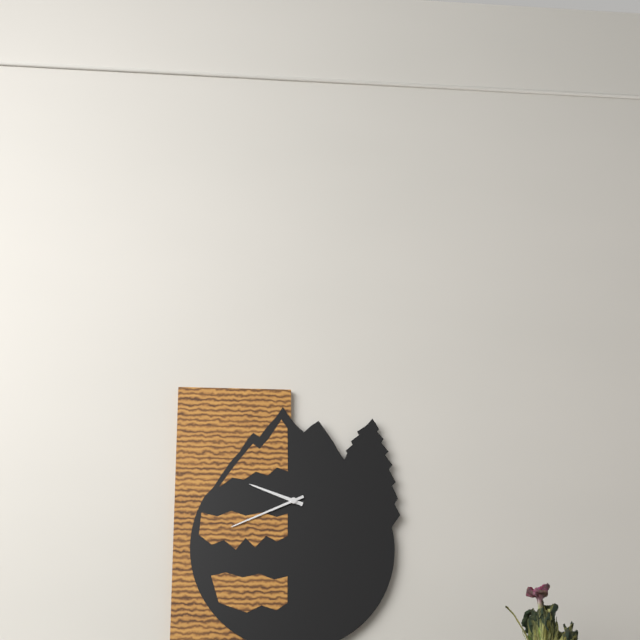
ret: {"hour": 9, "minute": 41}
